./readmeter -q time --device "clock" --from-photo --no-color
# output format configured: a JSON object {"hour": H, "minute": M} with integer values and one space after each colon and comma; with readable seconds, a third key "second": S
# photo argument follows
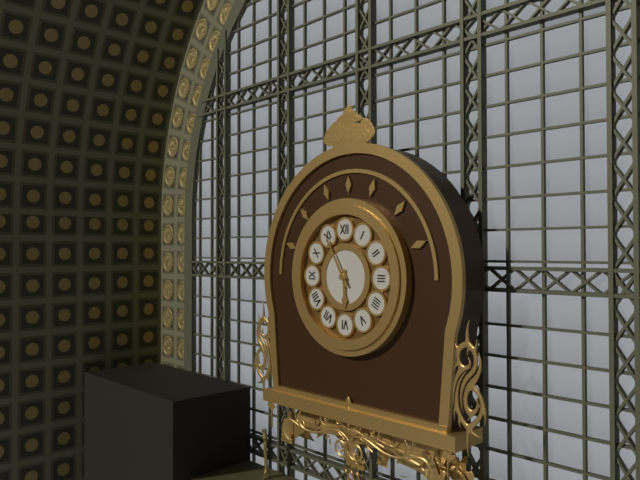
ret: {"hour": 5, "minute": 55}
